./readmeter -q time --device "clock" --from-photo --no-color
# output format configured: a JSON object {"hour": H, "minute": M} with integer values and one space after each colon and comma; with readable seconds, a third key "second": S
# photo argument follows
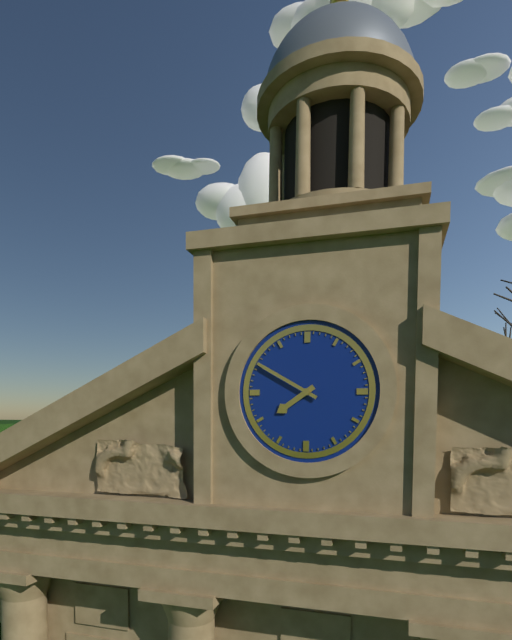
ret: {"hour": 7, "minute": 50}
